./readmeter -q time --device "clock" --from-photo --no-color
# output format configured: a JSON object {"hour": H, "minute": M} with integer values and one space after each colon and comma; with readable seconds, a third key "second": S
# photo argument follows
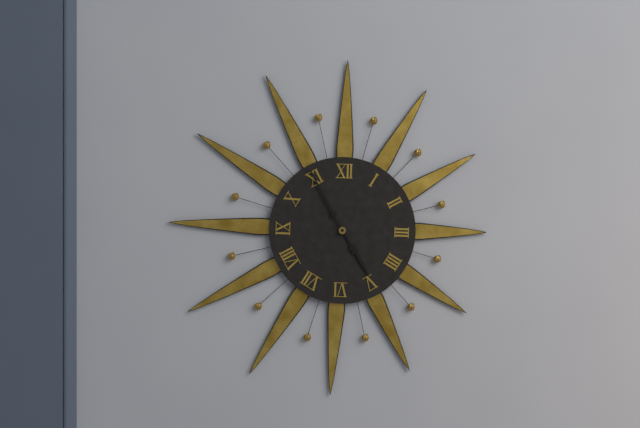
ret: {"hour": 4, "minute": 55}
